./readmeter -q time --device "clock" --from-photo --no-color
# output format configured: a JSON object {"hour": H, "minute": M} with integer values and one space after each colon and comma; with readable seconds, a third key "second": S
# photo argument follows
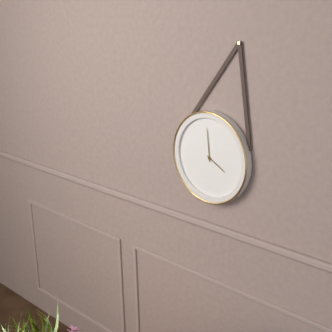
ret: {"hour": 3, "minute": 59}
